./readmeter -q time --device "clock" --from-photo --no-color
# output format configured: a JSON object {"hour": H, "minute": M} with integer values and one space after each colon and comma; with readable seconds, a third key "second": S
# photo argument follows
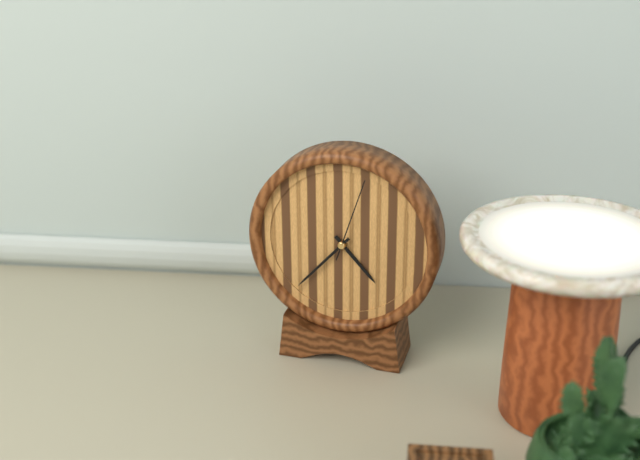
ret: {"hour": 4, "minute": 37, "second": 3}
